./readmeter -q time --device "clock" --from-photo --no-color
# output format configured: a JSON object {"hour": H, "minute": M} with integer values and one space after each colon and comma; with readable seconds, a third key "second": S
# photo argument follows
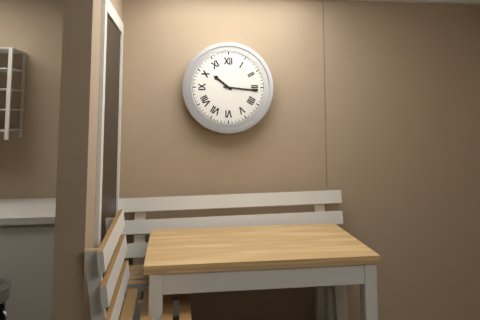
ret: {"hour": 10, "minute": 16}
